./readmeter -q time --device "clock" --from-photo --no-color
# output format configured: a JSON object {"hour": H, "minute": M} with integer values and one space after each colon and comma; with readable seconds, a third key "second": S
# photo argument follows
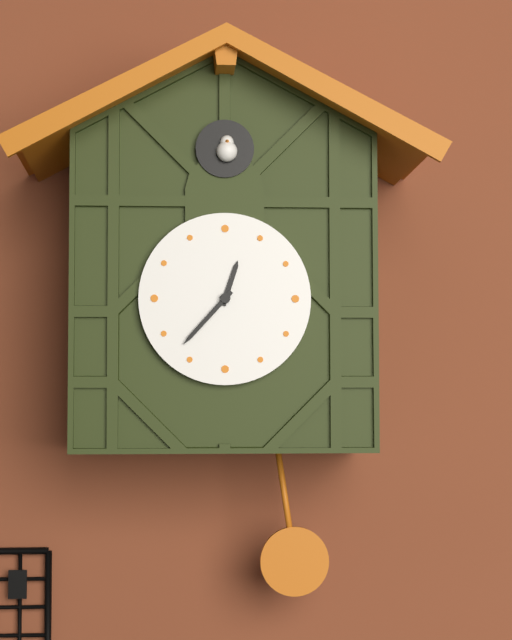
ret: {"hour": 12, "minute": 37}
